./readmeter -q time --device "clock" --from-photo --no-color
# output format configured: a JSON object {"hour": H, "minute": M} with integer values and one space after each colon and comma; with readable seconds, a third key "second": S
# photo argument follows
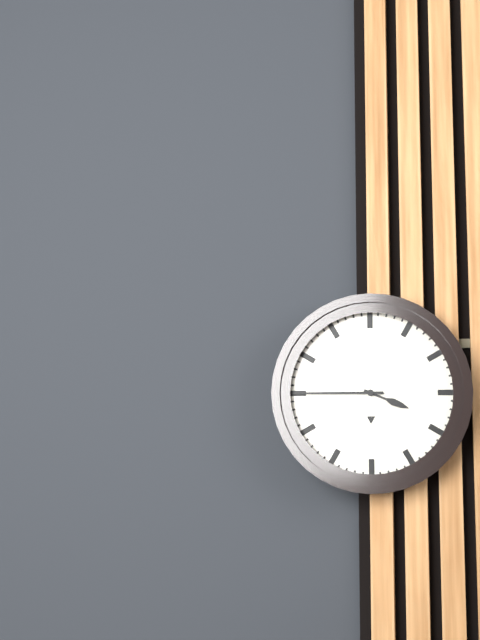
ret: {"hour": 3, "minute": 45}
